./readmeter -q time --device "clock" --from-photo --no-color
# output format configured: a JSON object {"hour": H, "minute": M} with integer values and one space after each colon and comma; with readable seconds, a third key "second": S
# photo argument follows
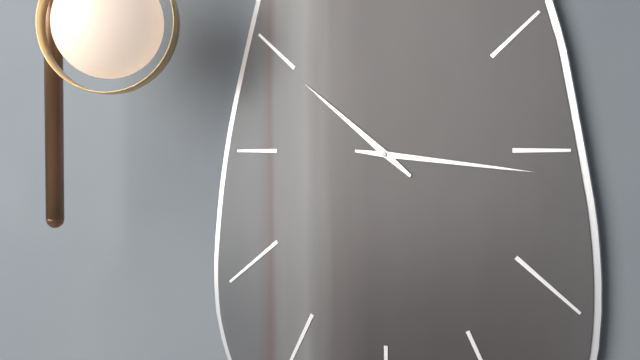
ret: {"hour": 10, "minute": 16}
